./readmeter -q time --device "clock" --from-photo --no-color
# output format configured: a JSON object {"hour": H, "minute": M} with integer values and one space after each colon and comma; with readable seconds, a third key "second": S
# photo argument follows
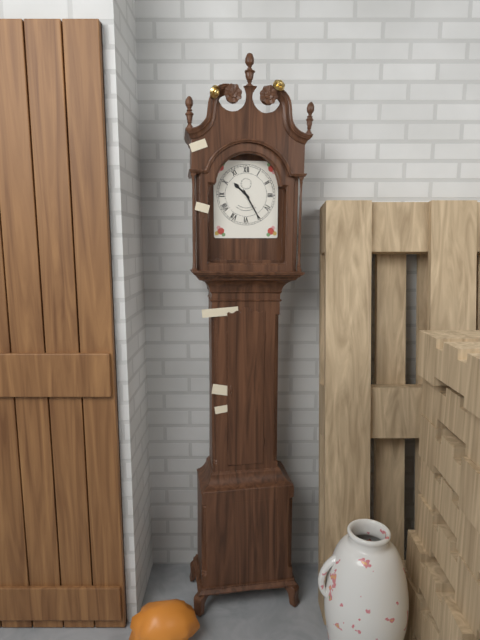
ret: {"hour": 10, "minute": 25}
